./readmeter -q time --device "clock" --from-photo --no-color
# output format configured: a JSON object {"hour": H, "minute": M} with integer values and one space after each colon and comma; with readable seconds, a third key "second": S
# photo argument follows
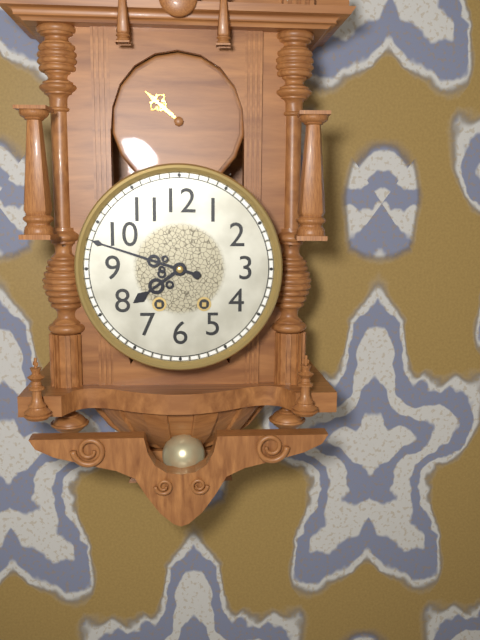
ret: {"hour": 7, "minute": 48}
